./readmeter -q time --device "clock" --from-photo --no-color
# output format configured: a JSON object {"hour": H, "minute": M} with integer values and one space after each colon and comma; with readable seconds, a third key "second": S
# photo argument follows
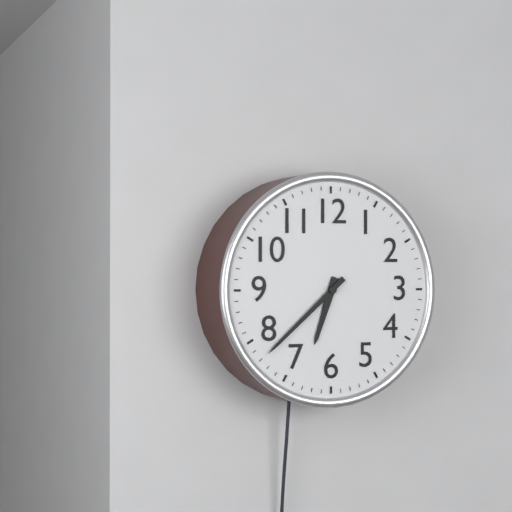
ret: {"hour": 6, "minute": 38}
